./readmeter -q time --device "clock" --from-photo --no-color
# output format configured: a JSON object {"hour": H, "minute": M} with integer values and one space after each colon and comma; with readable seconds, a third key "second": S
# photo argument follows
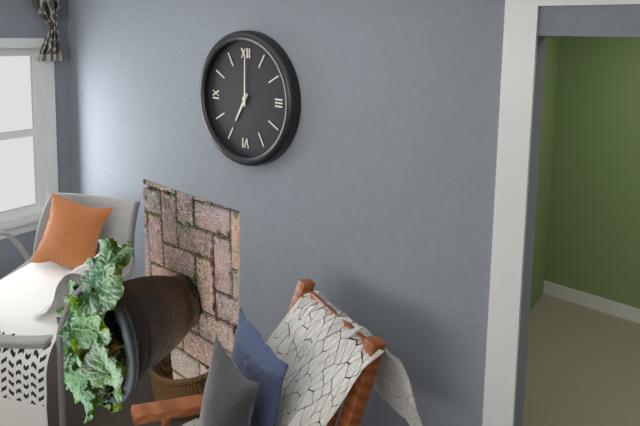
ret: {"hour": 7, "minute": 0}
